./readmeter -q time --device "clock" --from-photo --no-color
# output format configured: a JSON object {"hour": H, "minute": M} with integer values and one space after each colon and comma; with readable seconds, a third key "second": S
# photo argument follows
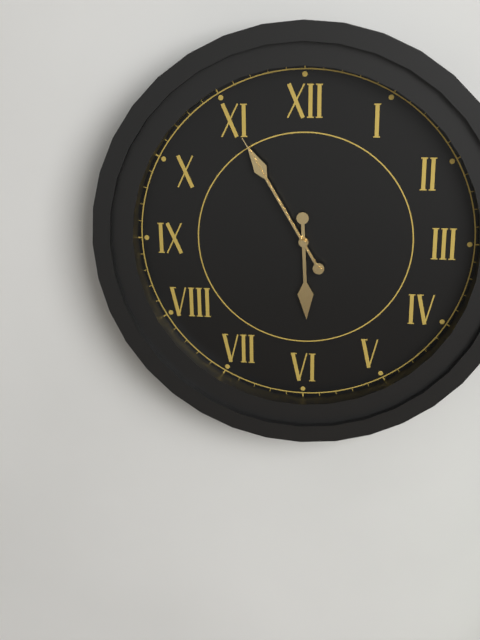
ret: {"hour": 5, "minute": 55, "second": 55}
